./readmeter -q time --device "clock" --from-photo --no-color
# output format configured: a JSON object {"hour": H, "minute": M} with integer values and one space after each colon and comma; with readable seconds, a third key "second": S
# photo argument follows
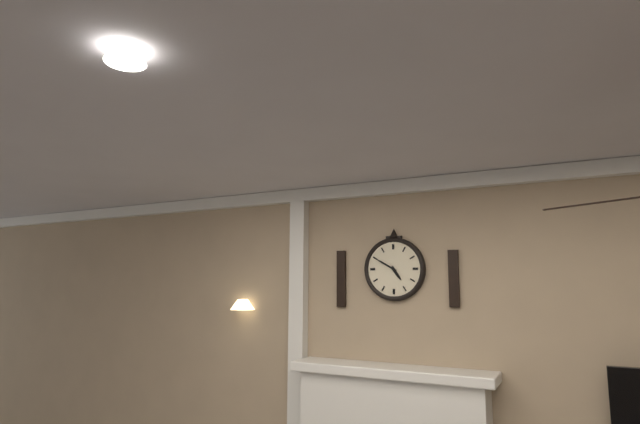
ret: {"hour": 4, "minute": 50}
